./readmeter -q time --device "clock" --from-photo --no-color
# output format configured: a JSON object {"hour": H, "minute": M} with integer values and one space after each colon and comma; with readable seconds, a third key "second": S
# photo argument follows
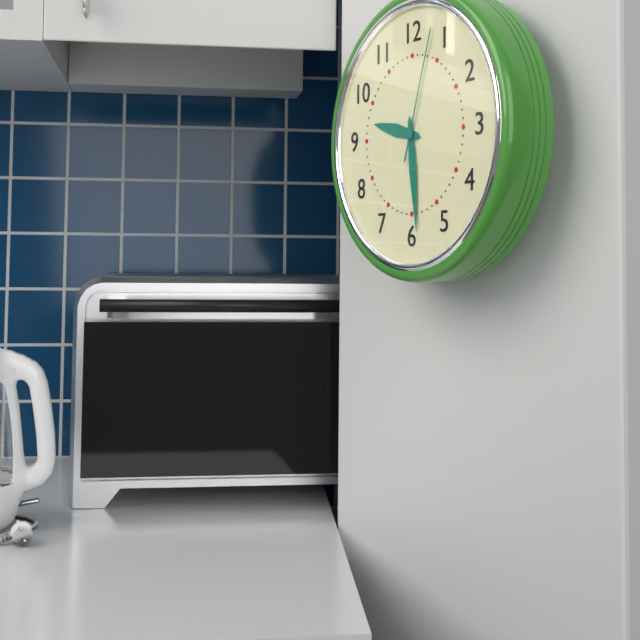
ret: {"hour": 9, "minute": 29, "second": 3}
